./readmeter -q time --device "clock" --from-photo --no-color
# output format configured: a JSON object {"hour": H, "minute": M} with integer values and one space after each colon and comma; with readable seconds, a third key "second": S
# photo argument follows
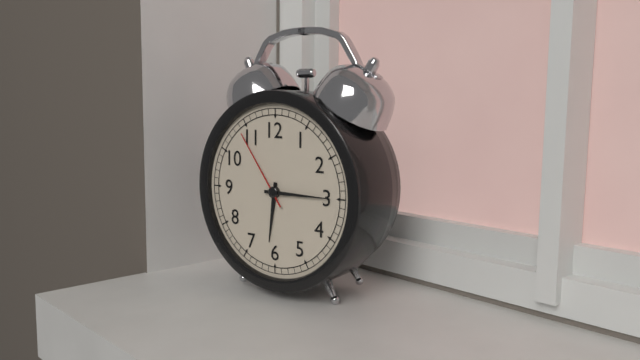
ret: {"hour": 6, "minute": 15, "second": 54}
